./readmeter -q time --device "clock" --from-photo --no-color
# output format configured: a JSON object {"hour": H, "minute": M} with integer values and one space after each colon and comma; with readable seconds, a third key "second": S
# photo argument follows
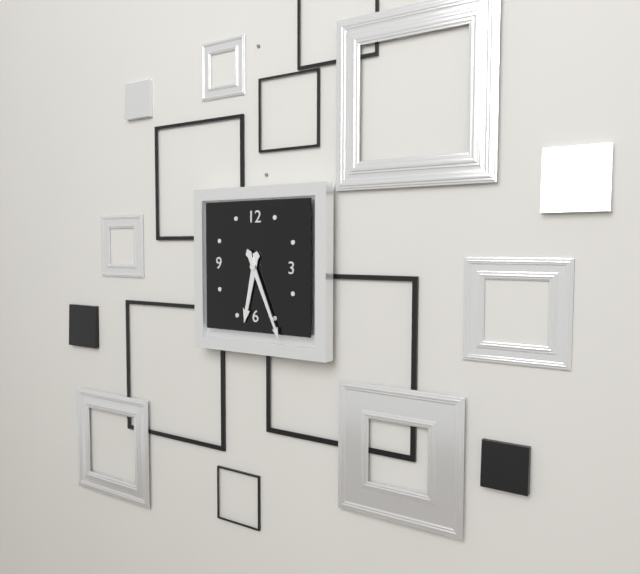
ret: {"hour": 6, "minute": 26}
